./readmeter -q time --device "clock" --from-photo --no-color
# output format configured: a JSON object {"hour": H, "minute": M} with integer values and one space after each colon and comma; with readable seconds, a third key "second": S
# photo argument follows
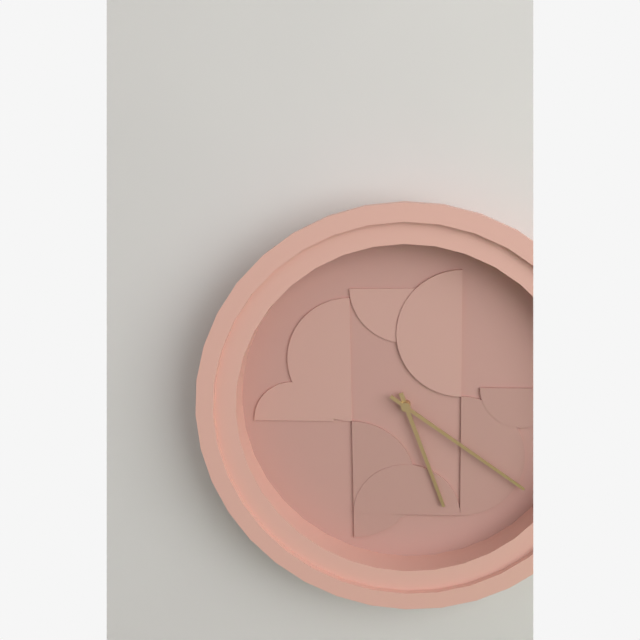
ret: {"hour": 5, "minute": 21}
